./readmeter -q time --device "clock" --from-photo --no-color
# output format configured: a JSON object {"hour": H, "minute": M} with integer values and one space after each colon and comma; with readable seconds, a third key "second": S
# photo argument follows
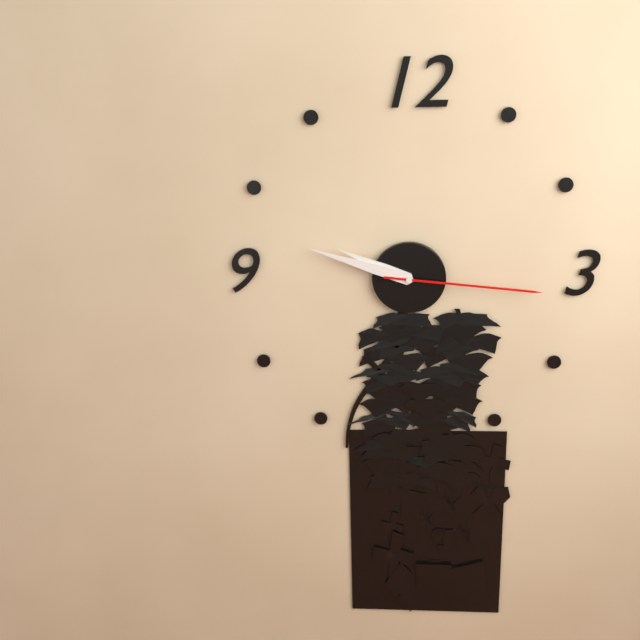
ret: {"hour": 9, "minute": 48, "second": 16}
